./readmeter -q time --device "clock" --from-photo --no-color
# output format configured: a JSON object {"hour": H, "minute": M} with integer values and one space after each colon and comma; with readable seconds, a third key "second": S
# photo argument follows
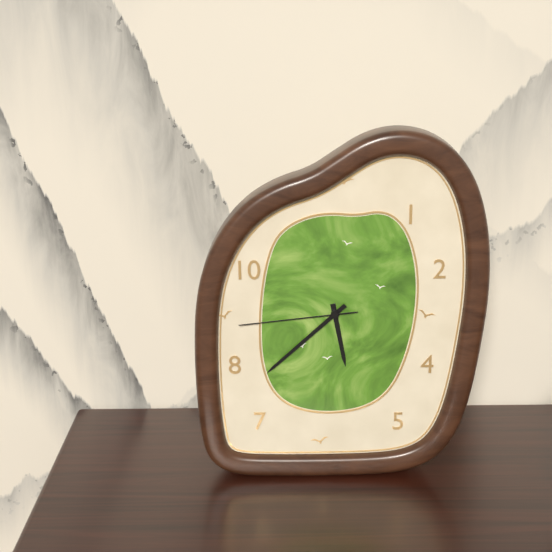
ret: {"hour": 5, "minute": 38, "second": 44}
